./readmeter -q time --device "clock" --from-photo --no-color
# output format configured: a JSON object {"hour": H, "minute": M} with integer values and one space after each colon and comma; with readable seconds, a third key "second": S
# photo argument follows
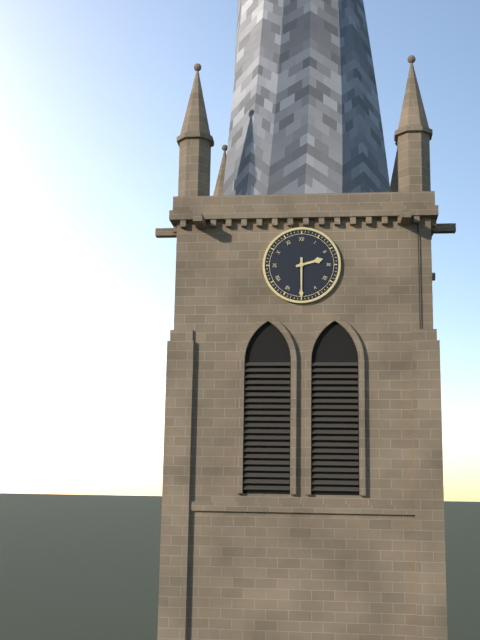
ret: {"hour": 2, "minute": 30}
